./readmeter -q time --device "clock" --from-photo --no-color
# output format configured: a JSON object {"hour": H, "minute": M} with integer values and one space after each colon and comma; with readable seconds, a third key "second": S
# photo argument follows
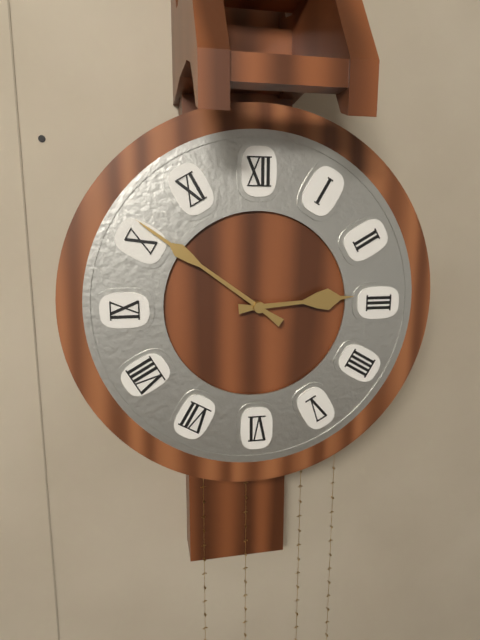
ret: {"hour": 2, "minute": 51}
